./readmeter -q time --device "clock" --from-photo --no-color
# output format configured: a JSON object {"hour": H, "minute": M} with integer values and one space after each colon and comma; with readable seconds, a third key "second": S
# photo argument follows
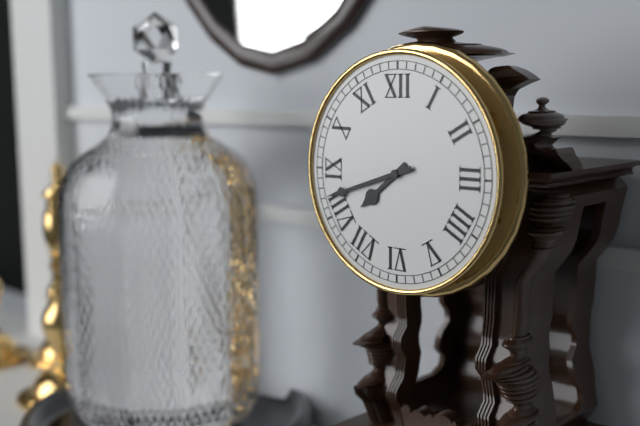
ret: {"hour": 7, "minute": 42}
